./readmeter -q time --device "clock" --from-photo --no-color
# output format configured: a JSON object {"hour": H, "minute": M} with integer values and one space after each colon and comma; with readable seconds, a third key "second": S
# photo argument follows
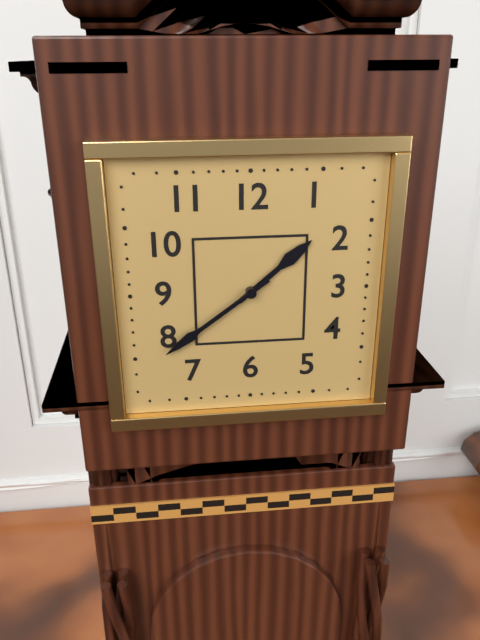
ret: {"hour": 1, "minute": 39}
